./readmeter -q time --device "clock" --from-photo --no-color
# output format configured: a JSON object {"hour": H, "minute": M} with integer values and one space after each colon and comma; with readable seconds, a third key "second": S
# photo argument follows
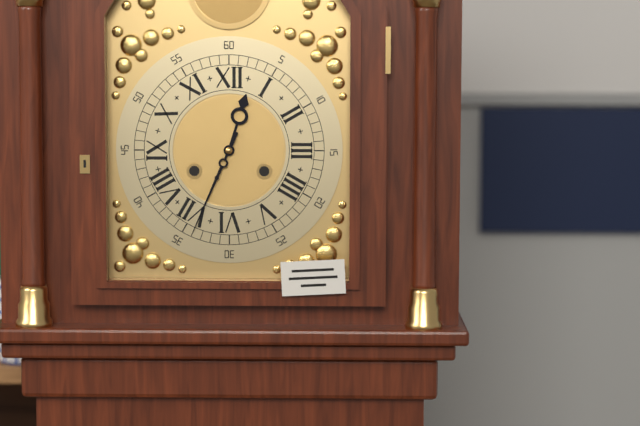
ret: {"hour": 12, "minute": 34}
